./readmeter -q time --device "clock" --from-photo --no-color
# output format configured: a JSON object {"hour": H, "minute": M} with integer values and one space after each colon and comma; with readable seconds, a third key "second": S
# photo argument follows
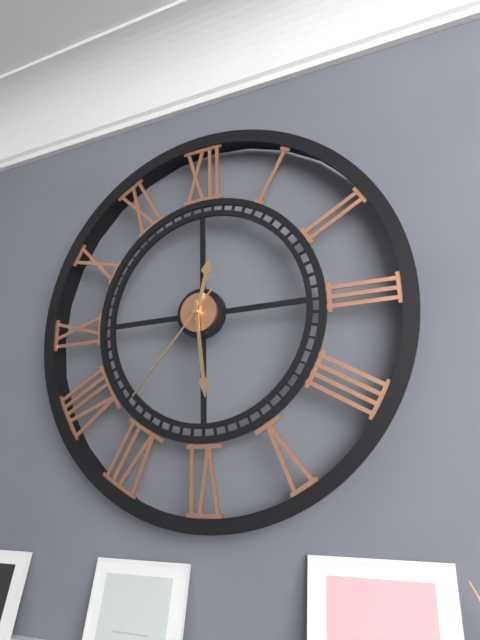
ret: {"hour": 12, "minute": 29, "second": 37}
